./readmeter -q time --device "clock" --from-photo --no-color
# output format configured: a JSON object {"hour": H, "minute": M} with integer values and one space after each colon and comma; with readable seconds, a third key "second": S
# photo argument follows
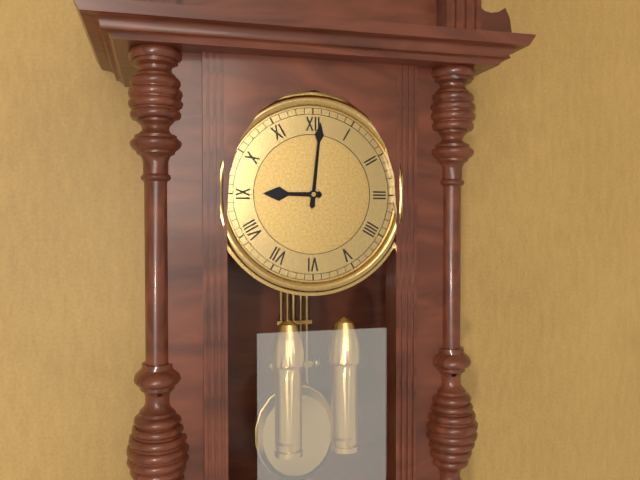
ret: {"hour": 9, "minute": 1}
